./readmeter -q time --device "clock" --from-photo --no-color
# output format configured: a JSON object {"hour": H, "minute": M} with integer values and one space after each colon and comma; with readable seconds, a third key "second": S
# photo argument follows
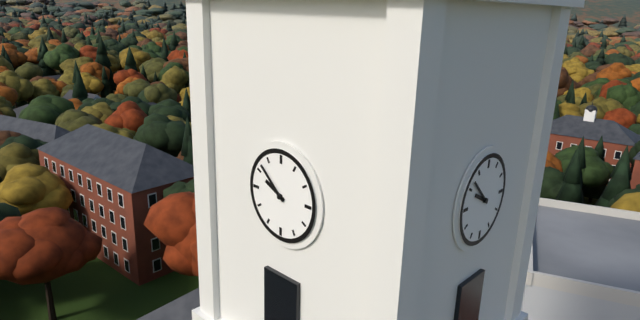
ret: {"hour": 9, "minute": 52}
